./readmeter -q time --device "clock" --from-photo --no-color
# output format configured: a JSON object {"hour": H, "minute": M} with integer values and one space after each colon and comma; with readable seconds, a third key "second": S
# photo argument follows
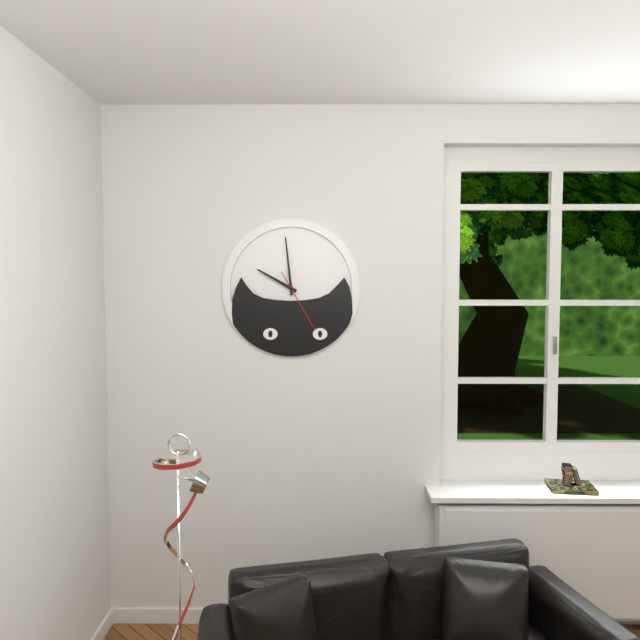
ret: {"hour": 9, "minute": 59, "second": 25}
